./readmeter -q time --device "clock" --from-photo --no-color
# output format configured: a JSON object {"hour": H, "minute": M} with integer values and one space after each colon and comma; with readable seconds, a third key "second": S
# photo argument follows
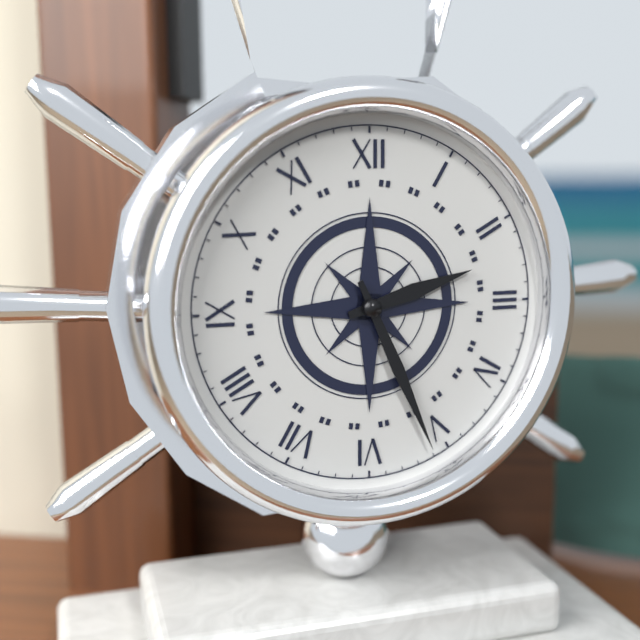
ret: {"hour": 2, "minute": 26}
